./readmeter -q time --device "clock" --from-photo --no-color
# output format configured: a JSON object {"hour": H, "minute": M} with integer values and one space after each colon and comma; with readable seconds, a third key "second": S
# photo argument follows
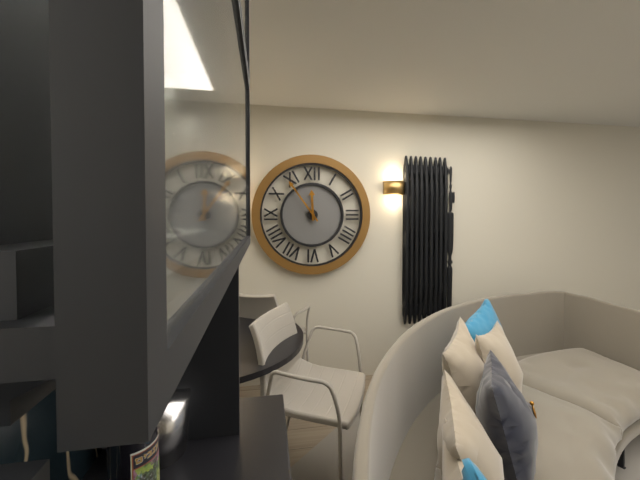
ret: {"hour": 11, "minute": 54}
